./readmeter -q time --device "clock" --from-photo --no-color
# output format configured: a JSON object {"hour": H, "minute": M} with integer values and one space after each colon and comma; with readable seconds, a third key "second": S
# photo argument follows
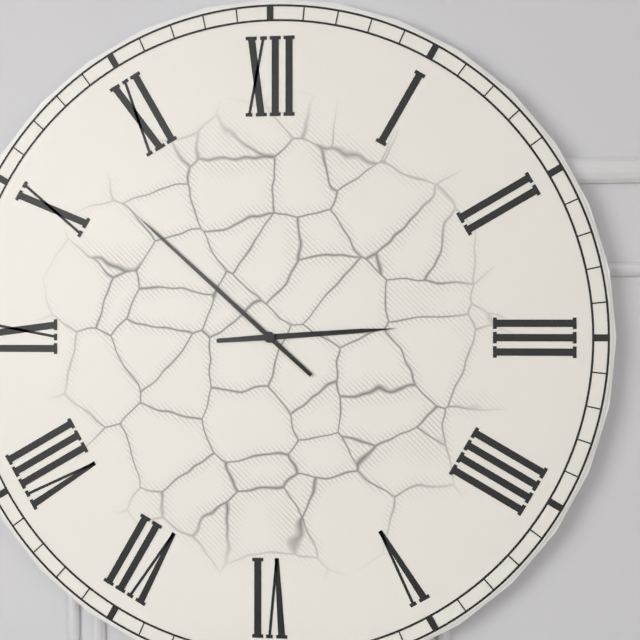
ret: {"hour": 2, "minute": 52}
